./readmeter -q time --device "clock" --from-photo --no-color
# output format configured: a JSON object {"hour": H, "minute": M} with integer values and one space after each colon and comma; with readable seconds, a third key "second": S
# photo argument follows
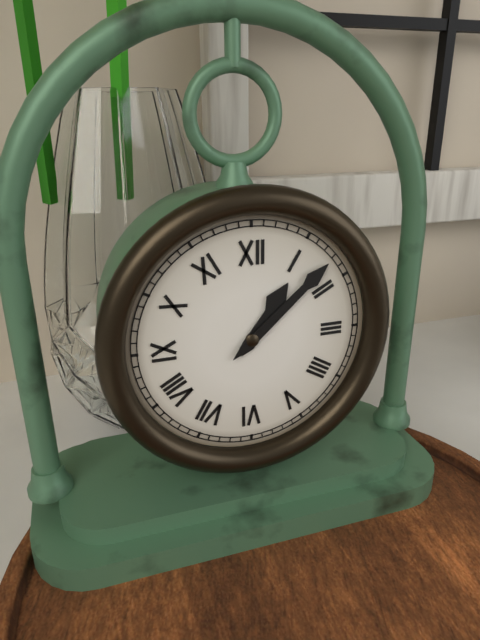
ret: {"hour": 1, "minute": 8}
